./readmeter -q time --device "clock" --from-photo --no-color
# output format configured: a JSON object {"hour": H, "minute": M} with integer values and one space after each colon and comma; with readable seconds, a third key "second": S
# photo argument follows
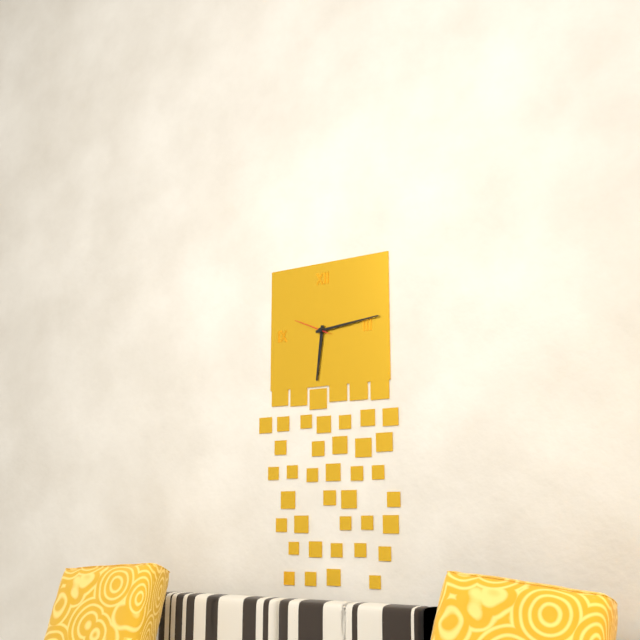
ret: {"hour": 6, "minute": 14}
